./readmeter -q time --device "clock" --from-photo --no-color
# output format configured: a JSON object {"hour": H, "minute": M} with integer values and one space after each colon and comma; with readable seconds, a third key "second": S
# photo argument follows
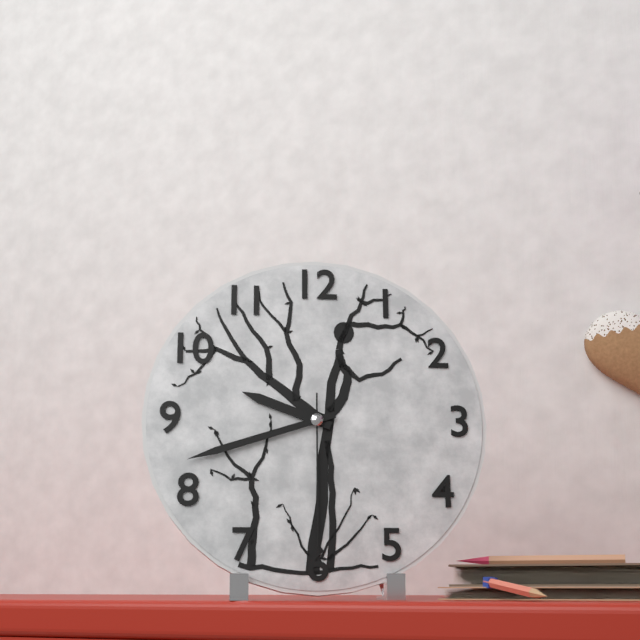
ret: {"hour": 9, "minute": 42, "second": 30}
